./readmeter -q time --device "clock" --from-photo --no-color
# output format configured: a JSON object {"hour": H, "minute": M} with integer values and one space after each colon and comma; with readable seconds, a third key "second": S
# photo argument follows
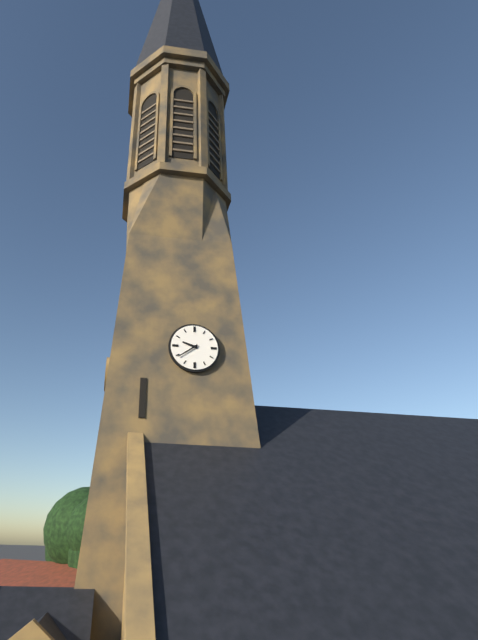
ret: {"hour": 9, "minute": 39}
